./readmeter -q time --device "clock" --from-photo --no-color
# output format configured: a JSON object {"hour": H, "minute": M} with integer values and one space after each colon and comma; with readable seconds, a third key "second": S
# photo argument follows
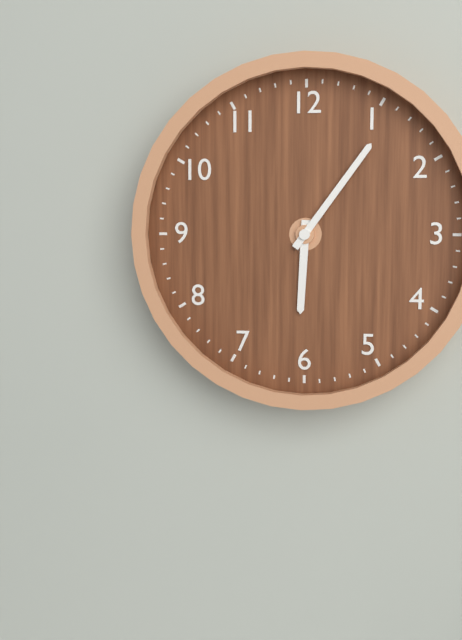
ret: {"hour": 6, "minute": 6}
